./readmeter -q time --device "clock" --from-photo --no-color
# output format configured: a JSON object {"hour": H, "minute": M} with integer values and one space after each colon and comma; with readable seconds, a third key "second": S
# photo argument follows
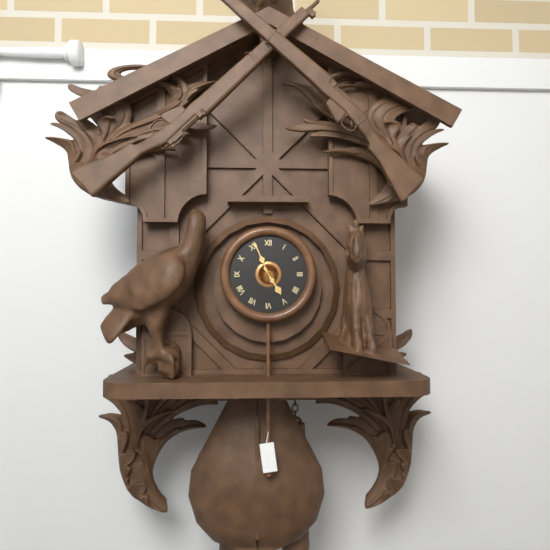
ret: {"hour": 4, "minute": 56}
